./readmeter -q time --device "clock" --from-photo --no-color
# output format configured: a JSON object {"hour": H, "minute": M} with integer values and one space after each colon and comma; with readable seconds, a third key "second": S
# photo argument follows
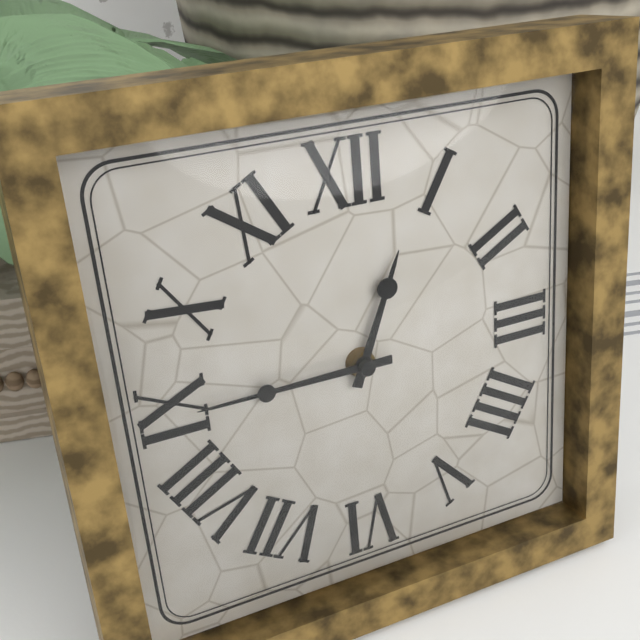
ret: {"hour": 12, "minute": 45}
